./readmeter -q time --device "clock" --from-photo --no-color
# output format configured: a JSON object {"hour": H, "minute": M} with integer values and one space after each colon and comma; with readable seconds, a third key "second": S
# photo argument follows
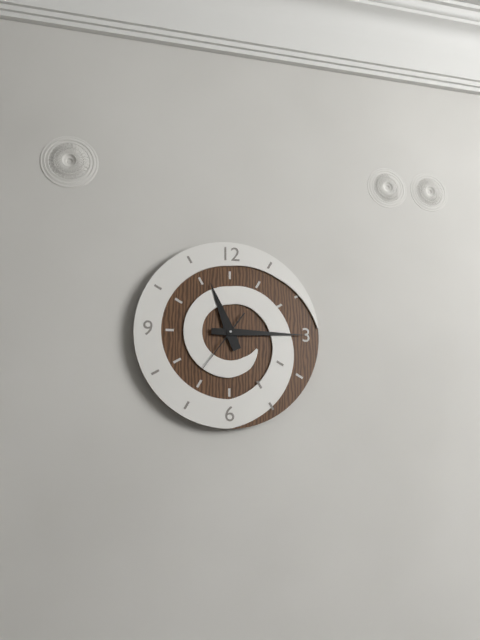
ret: {"hour": 11, "minute": 15, "second": 36}
